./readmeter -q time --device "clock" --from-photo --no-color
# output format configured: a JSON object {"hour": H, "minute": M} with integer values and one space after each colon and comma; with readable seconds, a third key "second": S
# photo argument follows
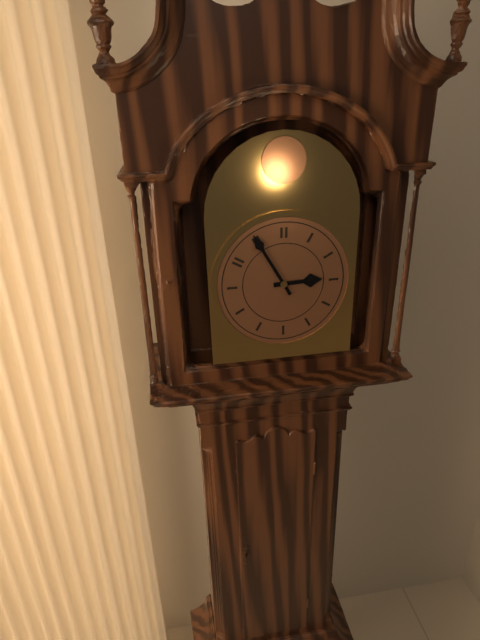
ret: {"hour": 2, "minute": 55}
